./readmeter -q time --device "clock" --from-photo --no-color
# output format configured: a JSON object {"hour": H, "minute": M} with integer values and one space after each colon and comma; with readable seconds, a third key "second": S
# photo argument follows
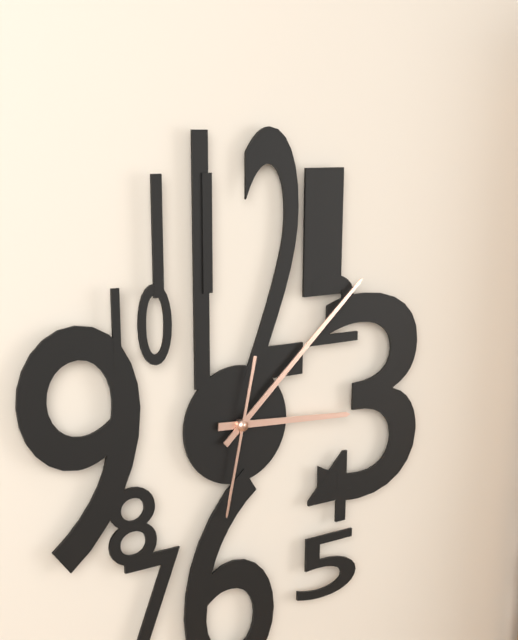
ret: {"hour": 3, "minute": 8, "second": 32}
